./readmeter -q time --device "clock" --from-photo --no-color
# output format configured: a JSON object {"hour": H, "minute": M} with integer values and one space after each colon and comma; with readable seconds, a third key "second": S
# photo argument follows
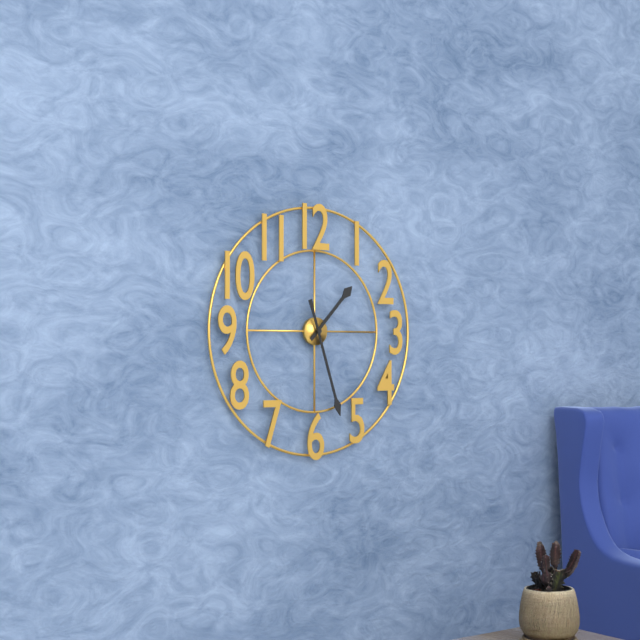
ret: {"hour": 1, "minute": 27}
